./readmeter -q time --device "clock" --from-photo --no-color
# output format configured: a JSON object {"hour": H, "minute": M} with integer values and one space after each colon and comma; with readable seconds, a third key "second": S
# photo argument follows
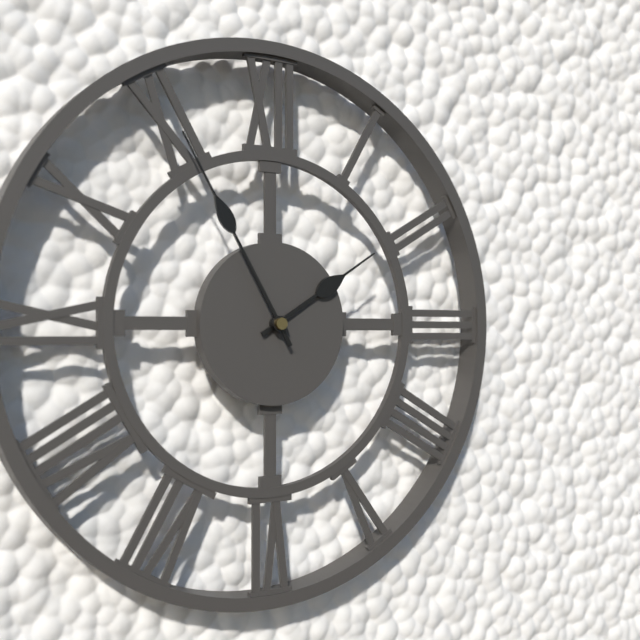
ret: {"hour": 1, "minute": 55}
